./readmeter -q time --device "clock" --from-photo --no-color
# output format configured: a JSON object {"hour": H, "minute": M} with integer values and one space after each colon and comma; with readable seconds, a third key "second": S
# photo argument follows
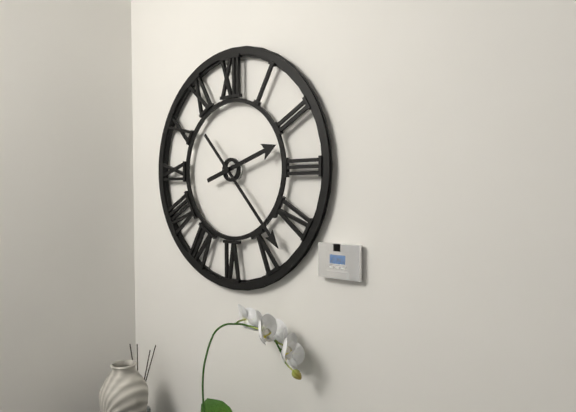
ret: {"hour": 2, "minute": 23}
